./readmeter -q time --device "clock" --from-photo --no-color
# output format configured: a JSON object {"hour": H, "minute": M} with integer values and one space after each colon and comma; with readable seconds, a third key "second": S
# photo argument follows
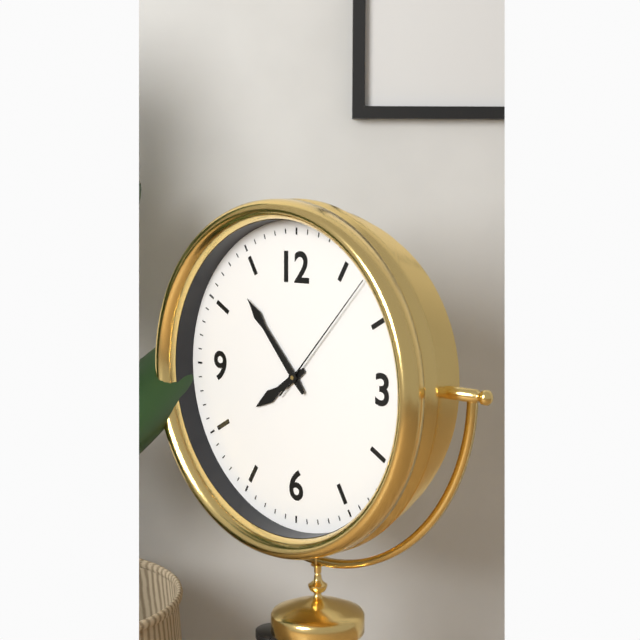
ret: {"hour": 7, "minute": 53, "second": 7}
